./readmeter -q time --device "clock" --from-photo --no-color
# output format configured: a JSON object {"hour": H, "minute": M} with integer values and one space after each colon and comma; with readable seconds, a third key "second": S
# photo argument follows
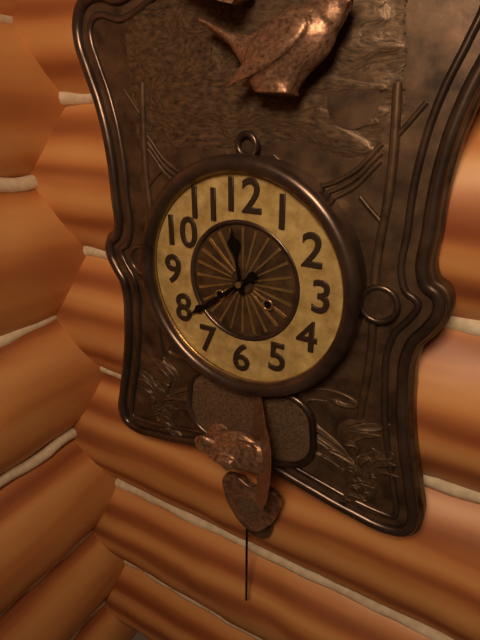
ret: {"hour": 11, "minute": 39}
